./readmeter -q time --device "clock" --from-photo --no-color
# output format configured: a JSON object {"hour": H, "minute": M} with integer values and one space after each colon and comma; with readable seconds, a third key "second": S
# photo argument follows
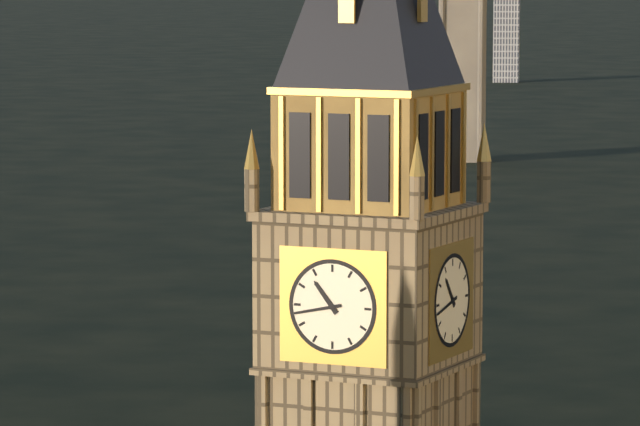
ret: {"hour": 10, "minute": 43}
